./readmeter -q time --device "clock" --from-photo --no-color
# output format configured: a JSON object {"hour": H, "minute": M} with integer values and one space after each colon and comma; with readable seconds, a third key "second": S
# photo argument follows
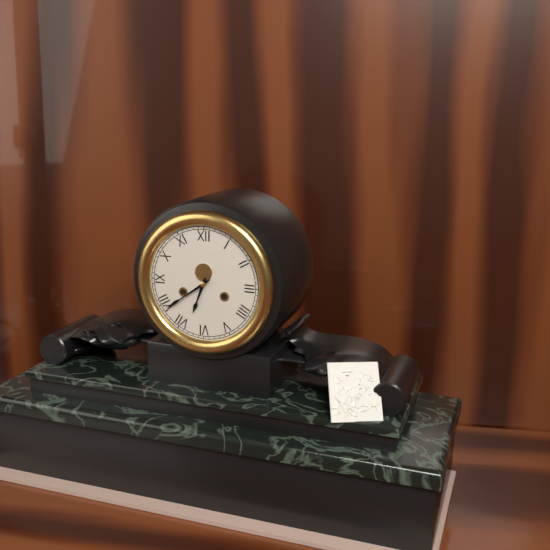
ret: {"hour": 6, "minute": 39}
